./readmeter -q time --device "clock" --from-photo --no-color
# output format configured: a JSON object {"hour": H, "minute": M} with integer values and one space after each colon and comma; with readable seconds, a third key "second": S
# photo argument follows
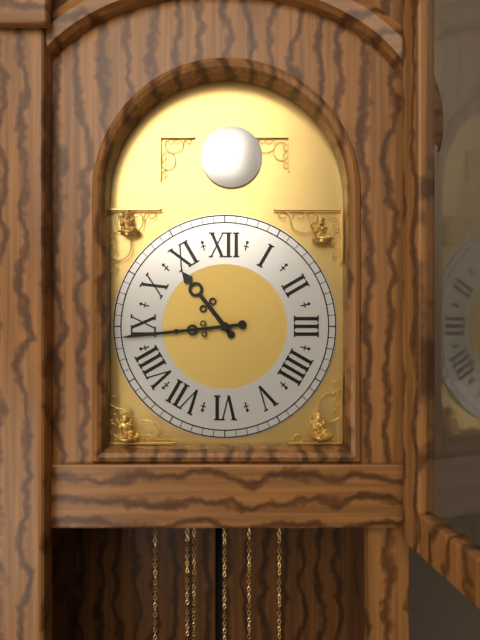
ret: {"hour": 10, "minute": 44}
